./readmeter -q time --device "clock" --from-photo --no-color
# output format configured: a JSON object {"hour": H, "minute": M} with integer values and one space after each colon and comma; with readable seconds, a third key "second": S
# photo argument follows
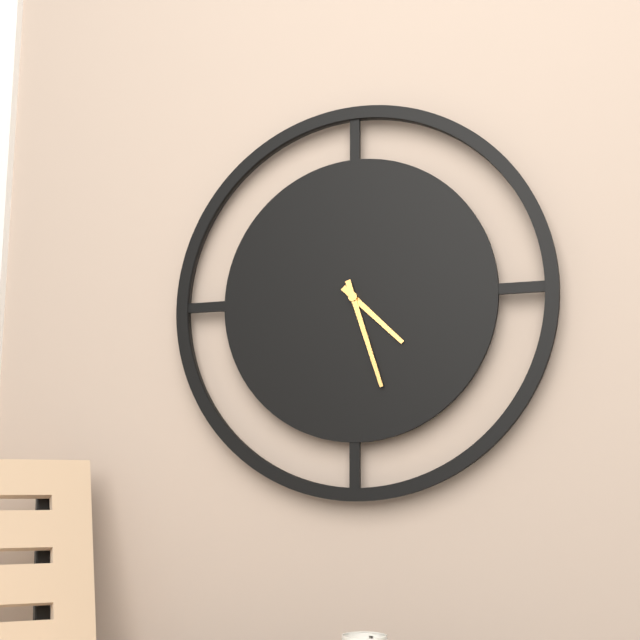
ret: {"hour": 4, "minute": 27}
